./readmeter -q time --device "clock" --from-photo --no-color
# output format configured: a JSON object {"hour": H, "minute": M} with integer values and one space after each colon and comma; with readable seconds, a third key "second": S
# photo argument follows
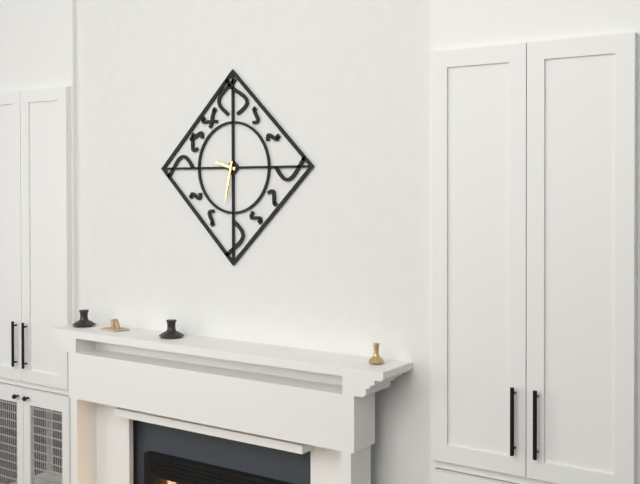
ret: {"hour": 9, "minute": 32}
